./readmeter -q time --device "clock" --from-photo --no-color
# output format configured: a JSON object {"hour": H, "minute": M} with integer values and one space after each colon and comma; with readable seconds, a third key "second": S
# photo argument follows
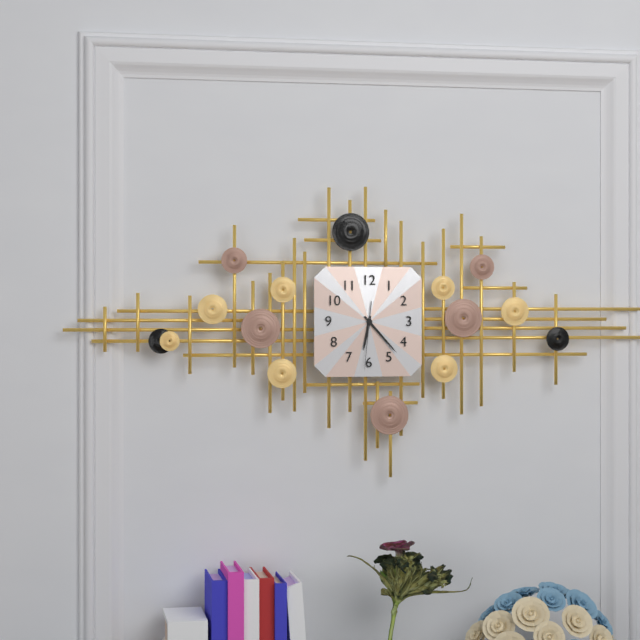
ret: {"hour": 6, "minute": 23, "second": 31}
